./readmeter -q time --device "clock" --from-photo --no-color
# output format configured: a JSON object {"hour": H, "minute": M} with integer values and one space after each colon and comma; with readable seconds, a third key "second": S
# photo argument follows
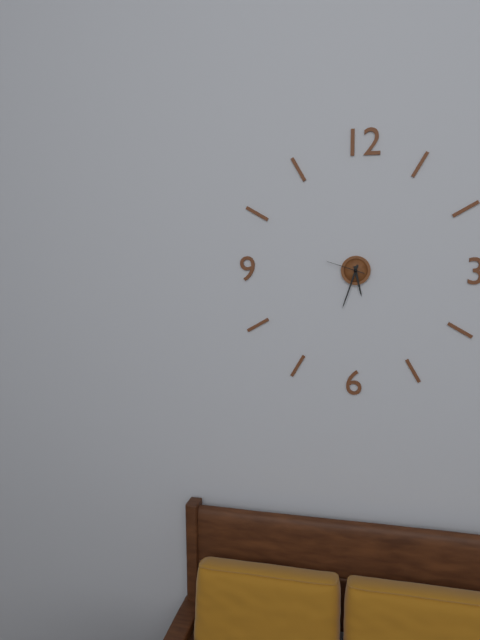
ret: {"hour": 5, "minute": 33}
